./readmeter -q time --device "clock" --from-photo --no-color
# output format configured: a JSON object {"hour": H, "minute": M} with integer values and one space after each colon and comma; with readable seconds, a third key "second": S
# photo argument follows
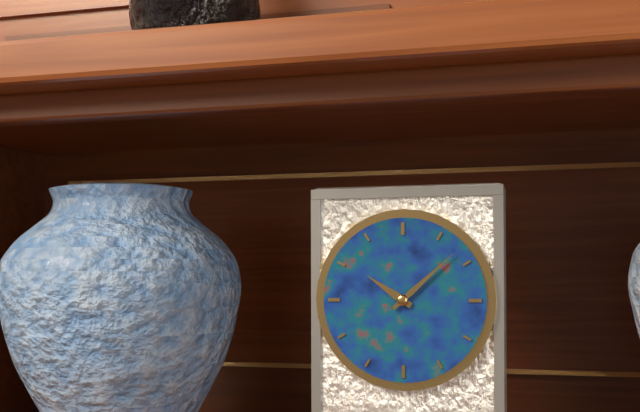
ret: {"hour": 10, "minute": 8}
